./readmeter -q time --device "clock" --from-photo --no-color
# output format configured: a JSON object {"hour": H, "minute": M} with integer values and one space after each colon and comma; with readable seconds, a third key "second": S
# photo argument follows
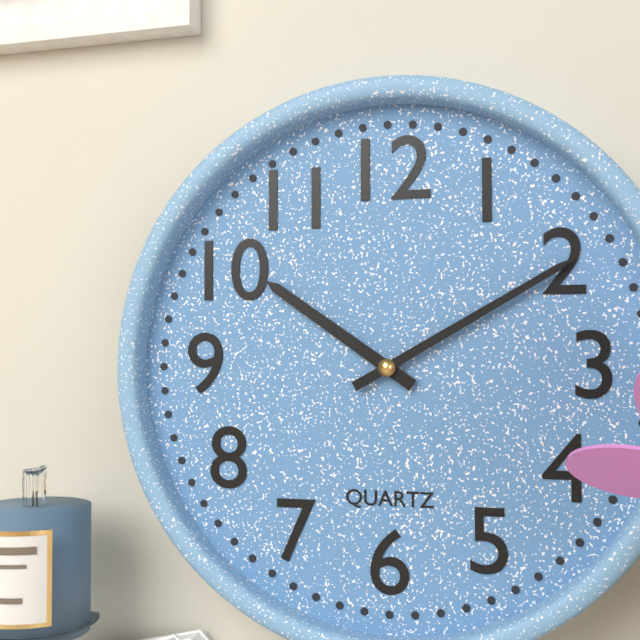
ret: {"hour": 10, "minute": 10}
